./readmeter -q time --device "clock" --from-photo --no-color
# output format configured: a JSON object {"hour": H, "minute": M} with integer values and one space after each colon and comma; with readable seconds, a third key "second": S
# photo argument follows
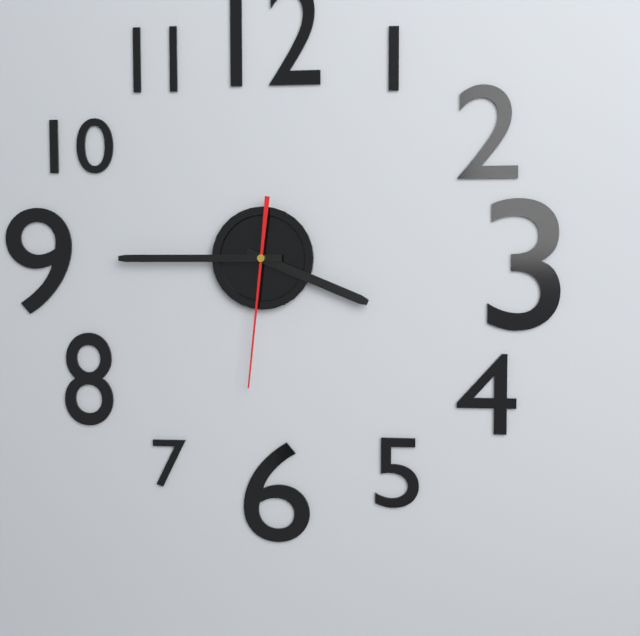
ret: {"hour": 3, "minute": 45, "second": 31}
